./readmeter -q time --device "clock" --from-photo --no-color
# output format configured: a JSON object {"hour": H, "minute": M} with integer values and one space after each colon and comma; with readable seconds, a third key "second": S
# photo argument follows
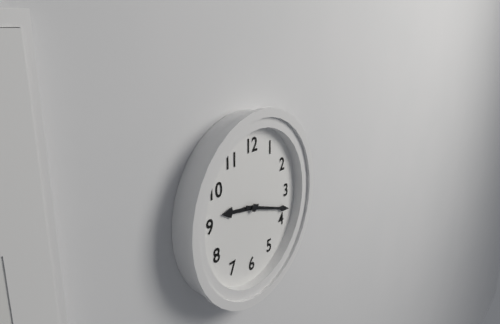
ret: {"hour": 9, "minute": 18}
